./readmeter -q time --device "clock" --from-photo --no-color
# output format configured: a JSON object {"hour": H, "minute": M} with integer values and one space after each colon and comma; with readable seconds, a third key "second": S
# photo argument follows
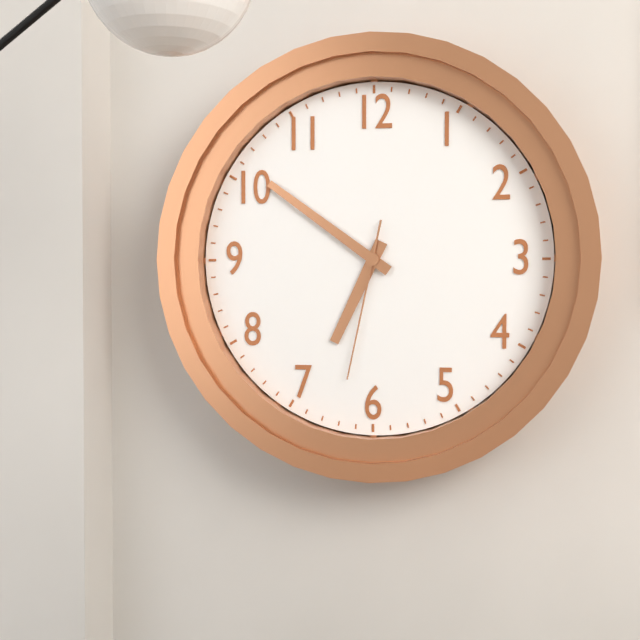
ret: {"hour": 6, "minute": 51, "second": 32}
